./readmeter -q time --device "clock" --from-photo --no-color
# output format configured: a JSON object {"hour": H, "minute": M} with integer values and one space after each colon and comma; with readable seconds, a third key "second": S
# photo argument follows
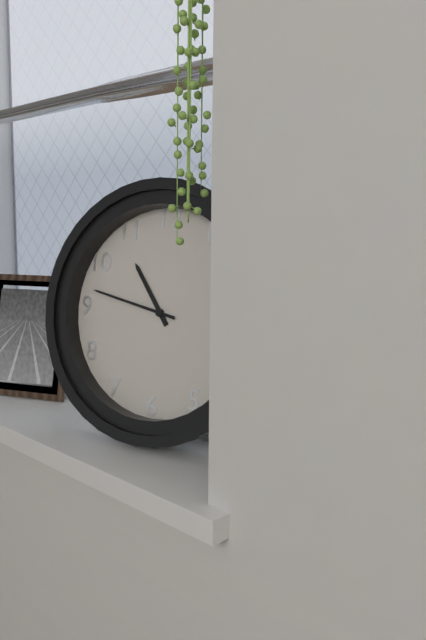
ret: {"hour": 10, "minute": 47}
